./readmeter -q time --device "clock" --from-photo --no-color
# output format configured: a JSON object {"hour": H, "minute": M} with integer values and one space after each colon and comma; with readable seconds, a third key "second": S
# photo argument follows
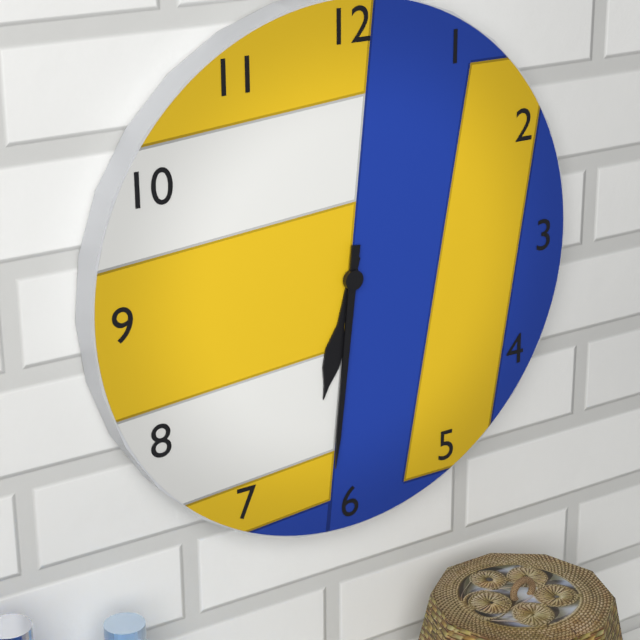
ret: {"hour": 6, "minute": 31}
